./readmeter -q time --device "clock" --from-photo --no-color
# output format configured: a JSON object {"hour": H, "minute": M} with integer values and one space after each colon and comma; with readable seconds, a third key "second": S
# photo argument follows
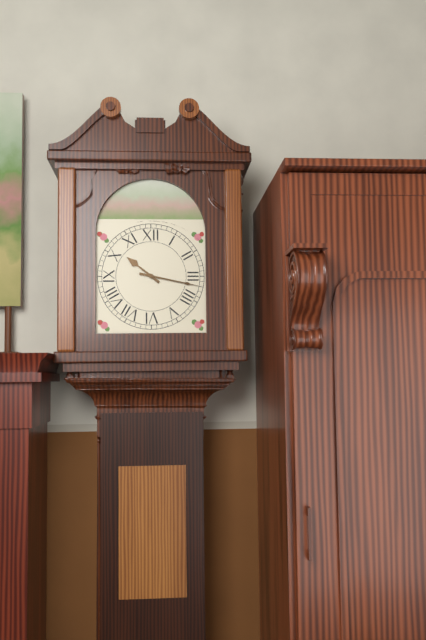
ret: {"hour": 10, "minute": 17}
